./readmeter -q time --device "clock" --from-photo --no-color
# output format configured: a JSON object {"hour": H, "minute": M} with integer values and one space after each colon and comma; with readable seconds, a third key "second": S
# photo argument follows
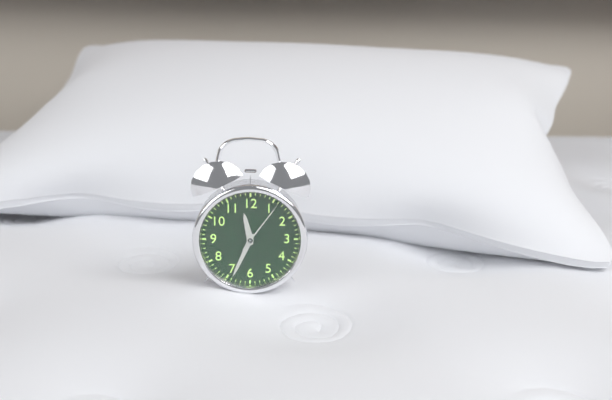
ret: {"hour": 11, "minute": 34, "second": 6}
